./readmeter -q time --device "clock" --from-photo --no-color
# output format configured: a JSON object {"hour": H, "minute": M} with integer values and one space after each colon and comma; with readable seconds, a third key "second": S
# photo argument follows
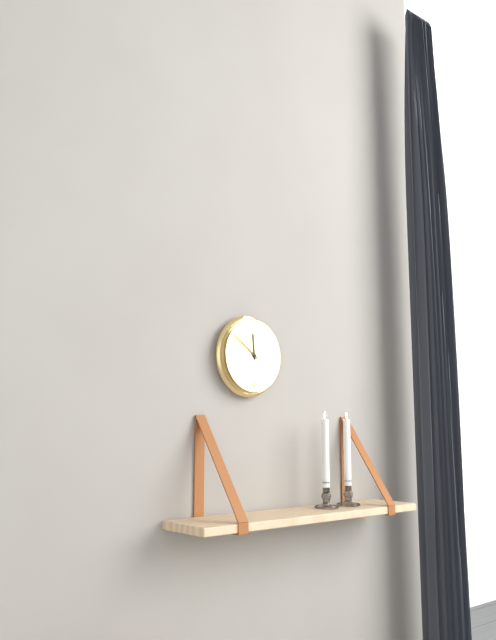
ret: {"hour": 11, "minute": 51}
